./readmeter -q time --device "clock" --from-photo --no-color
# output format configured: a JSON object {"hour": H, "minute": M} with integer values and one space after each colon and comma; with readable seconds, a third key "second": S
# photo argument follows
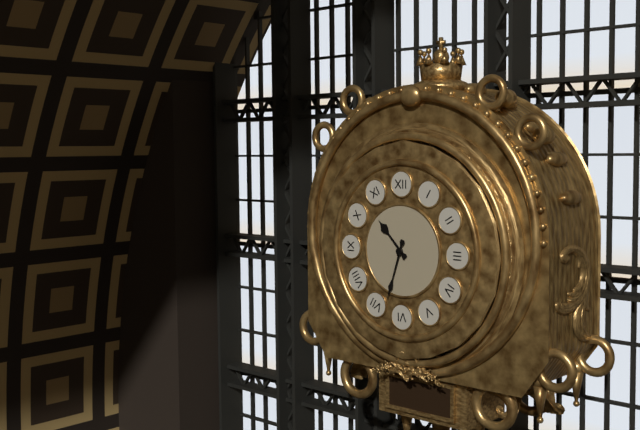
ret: {"hour": 10, "minute": 33}
